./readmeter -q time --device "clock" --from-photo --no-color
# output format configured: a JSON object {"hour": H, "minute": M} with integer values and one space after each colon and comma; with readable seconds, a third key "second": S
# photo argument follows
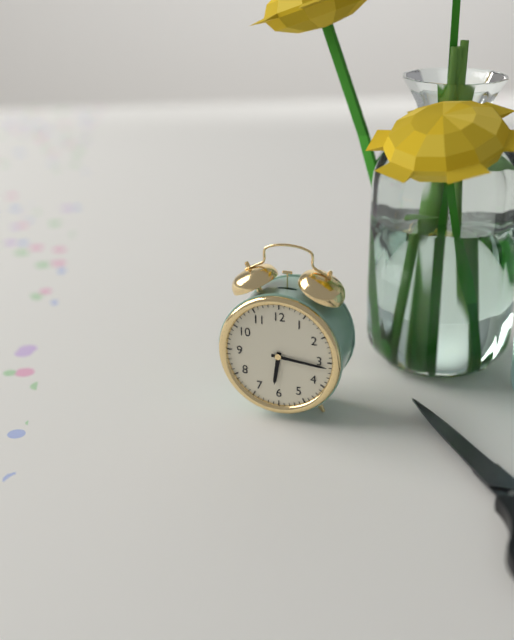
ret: {"hour": 6, "minute": 16}
